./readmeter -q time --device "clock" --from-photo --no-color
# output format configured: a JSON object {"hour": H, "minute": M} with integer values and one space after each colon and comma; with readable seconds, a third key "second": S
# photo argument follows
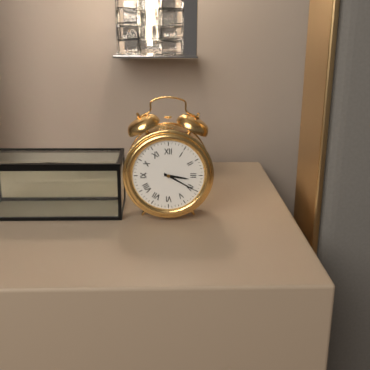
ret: {"hour": 3, "minute": 20}
